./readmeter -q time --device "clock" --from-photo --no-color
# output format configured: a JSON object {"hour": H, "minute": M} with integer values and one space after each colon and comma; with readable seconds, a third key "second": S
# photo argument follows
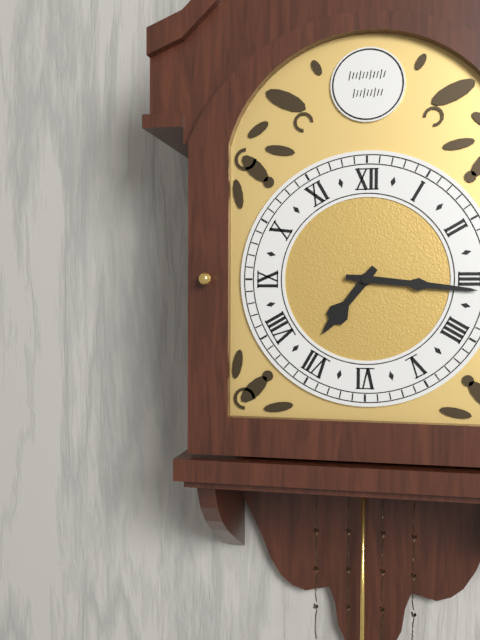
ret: {"hour": 7, "minute": 16}
